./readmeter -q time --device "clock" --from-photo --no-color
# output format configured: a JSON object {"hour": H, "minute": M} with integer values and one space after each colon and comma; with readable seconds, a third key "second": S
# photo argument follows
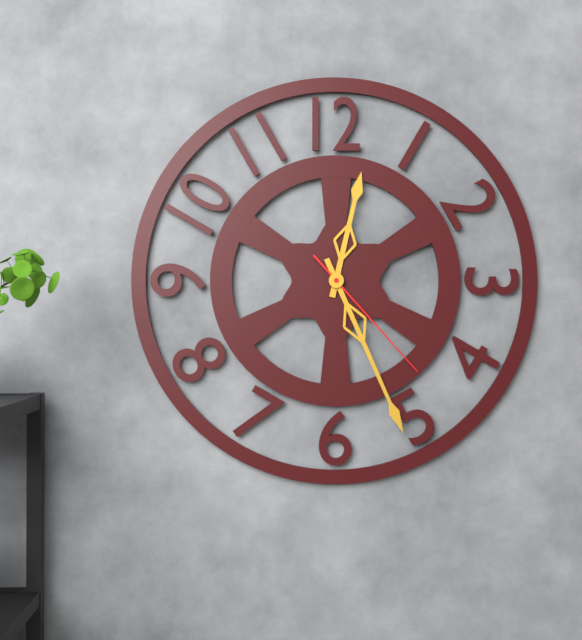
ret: {"hour": 12, "minute": 26, "second": 23}
